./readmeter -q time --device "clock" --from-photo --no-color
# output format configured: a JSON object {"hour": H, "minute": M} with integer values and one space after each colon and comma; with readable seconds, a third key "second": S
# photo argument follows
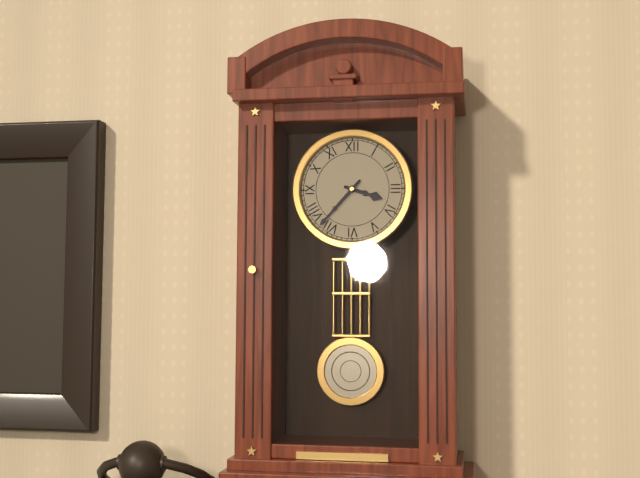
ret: {"hour": 3, "minute": 37}
